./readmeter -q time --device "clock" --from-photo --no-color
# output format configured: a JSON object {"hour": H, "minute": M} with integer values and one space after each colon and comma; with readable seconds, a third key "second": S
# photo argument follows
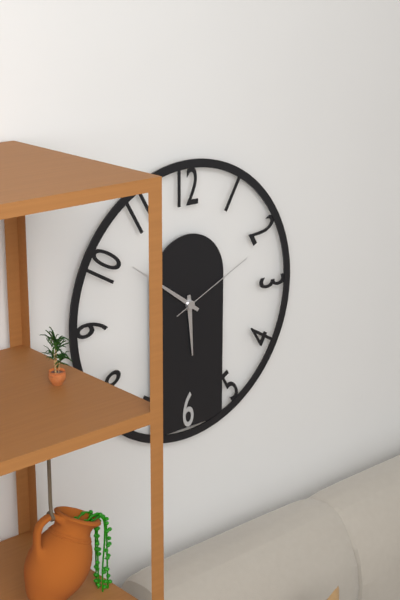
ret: {"hour": 5, "minute": 51, "second": 11}
